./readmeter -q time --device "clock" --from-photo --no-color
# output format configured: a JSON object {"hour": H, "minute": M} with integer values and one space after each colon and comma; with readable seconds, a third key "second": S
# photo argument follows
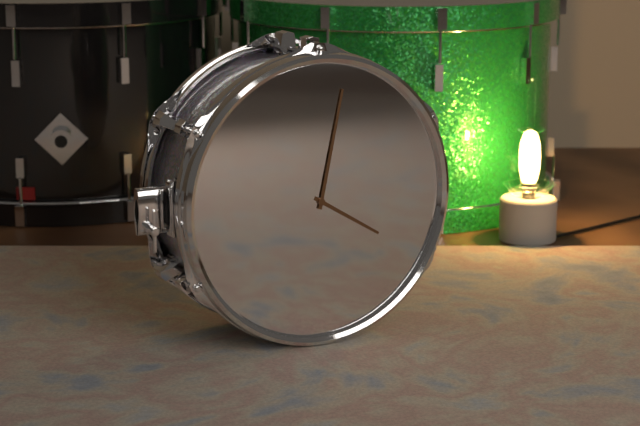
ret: {"hour": 4, "minute": 2}
